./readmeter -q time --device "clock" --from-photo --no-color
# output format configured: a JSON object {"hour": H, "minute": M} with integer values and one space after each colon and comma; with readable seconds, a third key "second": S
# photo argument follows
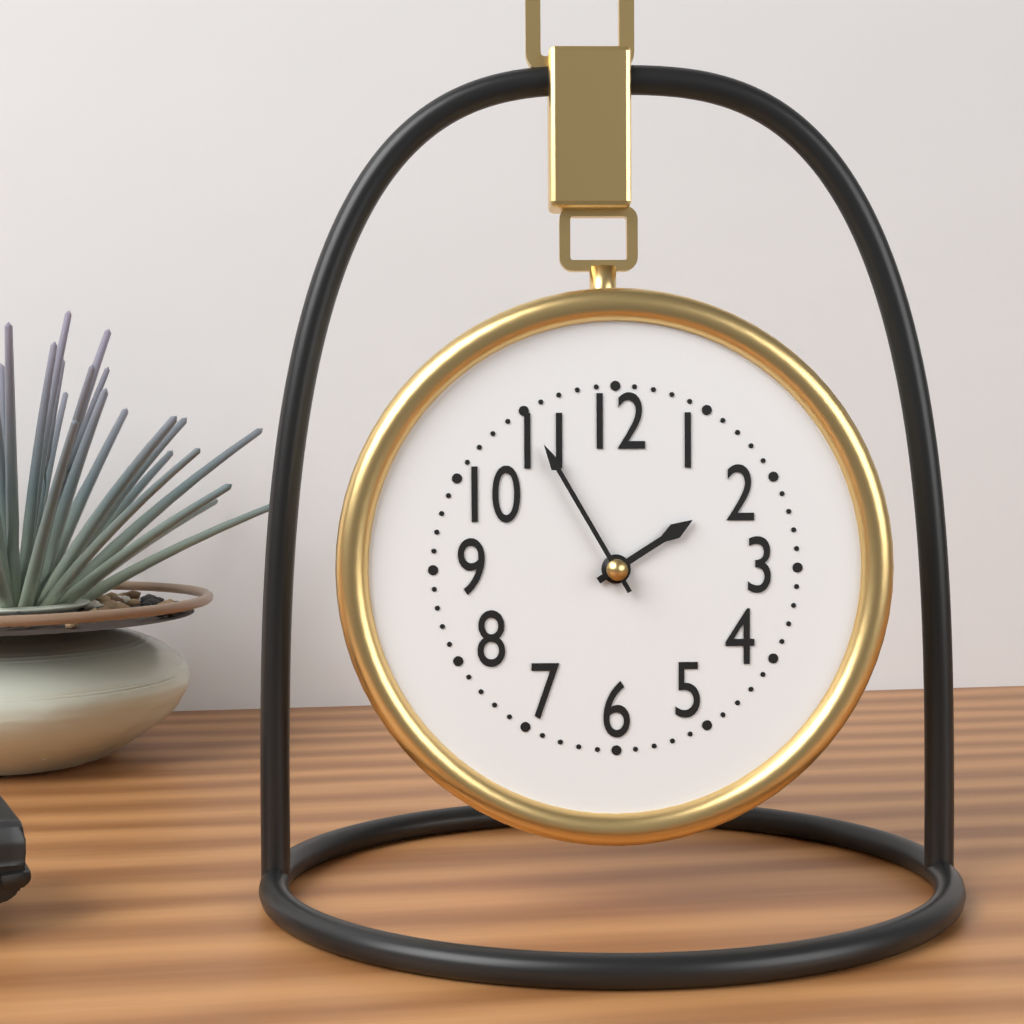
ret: {"hour": 1, "minute": 55}
